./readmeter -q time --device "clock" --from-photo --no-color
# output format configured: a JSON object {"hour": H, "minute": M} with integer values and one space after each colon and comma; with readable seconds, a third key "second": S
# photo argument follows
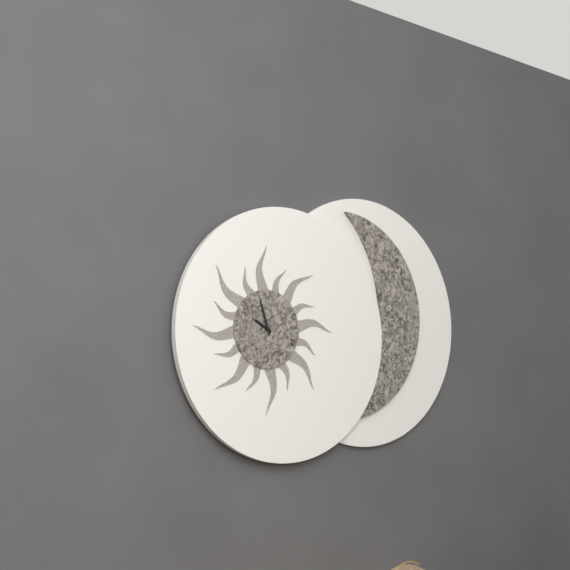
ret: {"hour": 9, "minute": 57}
